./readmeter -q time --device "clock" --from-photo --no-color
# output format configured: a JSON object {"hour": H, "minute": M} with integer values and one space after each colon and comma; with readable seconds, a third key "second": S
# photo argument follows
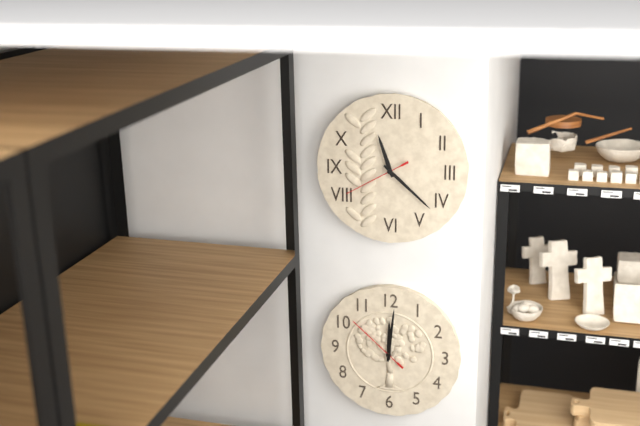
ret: {"hour": 11, "minute": 22, "second": 40}
